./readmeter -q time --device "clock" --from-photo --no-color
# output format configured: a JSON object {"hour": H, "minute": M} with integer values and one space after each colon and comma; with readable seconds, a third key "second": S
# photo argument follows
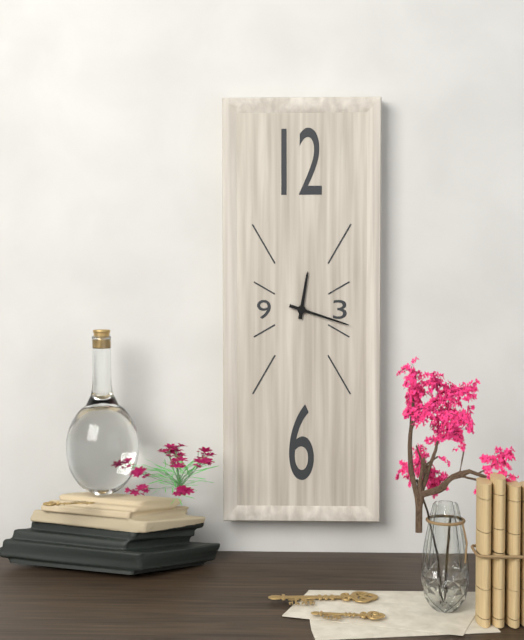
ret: {"hour": 12, "minute": 18}
